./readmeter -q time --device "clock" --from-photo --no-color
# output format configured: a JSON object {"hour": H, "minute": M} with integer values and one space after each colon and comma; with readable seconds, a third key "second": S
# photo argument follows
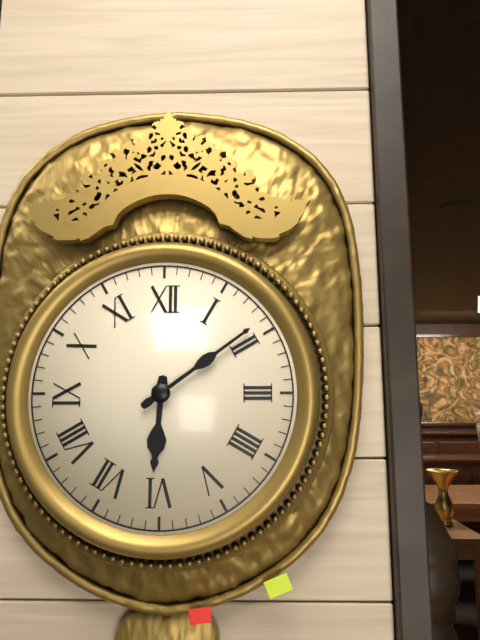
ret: {"hour": 6, "minute": 9}
